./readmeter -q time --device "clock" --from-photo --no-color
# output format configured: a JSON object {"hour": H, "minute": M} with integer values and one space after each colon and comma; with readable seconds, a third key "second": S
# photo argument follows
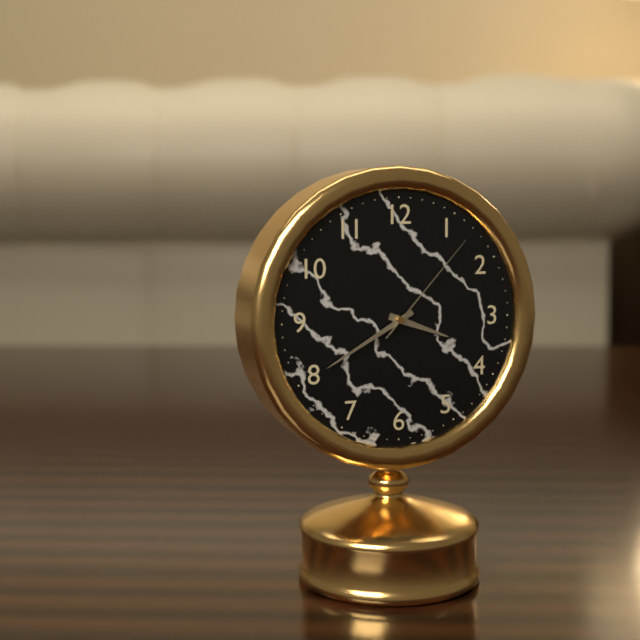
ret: {"hour": 3, "minute": 40, "second": 7}
